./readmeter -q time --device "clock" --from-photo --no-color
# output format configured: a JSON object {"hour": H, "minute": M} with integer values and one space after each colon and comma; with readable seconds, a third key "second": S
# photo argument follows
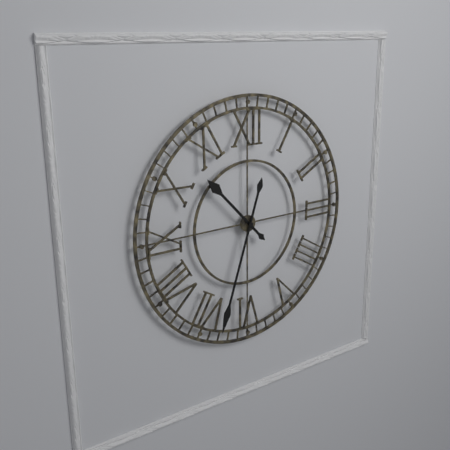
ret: {"hour": 10, "minute": 33}
